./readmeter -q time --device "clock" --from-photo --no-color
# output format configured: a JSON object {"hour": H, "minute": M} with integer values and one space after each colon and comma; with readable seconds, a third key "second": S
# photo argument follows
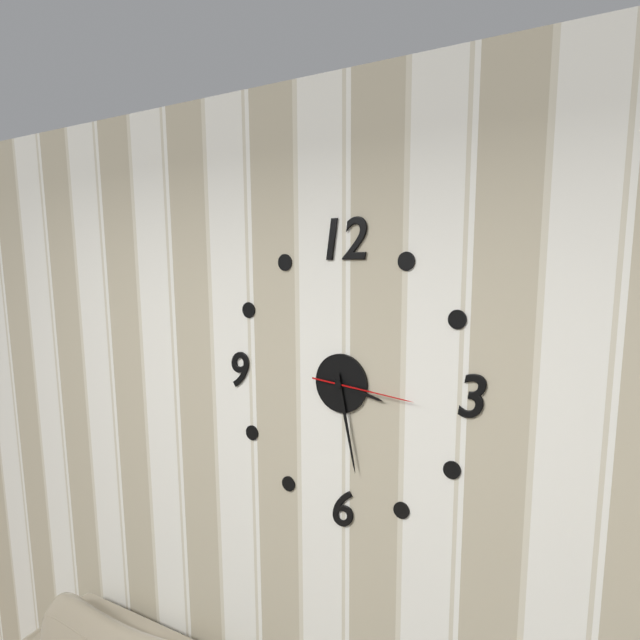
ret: {"hour": 3, "minute": 28, "second": 16}
